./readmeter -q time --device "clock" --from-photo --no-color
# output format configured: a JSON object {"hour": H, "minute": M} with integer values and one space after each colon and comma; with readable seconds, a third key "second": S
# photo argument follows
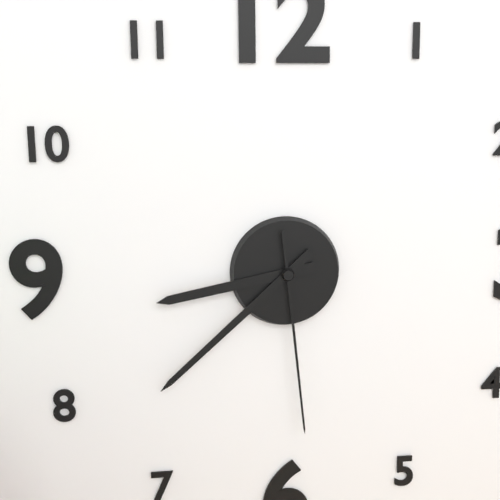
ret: {"hour": 8, "minute": 38, "second": 29}
